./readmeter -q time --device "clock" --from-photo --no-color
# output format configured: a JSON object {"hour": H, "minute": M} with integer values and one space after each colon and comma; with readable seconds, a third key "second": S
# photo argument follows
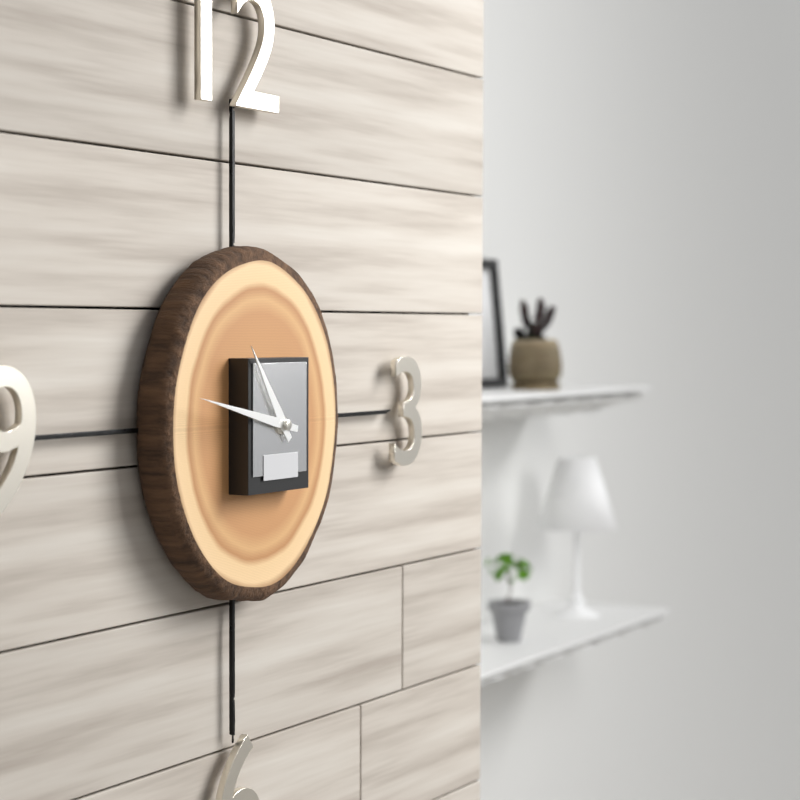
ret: {"hour": 10, "minute": 47}
